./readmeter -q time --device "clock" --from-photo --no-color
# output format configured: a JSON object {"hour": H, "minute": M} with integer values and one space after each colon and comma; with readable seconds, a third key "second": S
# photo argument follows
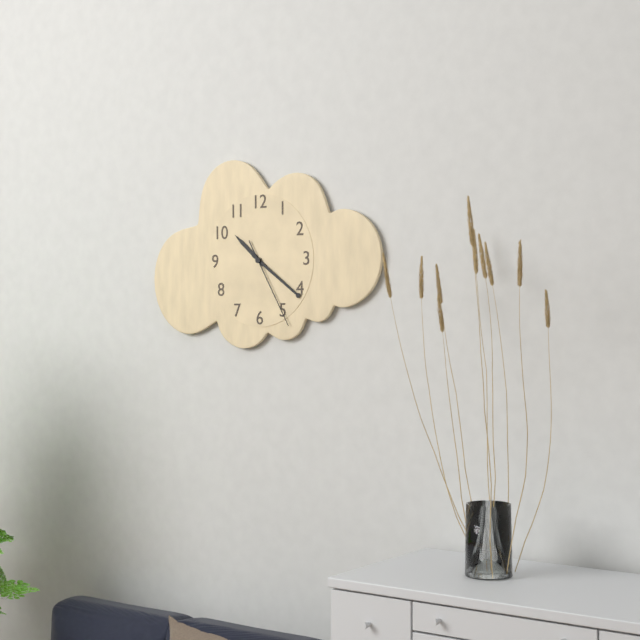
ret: {"hour": 10, "minute": 21, "second": 25}
